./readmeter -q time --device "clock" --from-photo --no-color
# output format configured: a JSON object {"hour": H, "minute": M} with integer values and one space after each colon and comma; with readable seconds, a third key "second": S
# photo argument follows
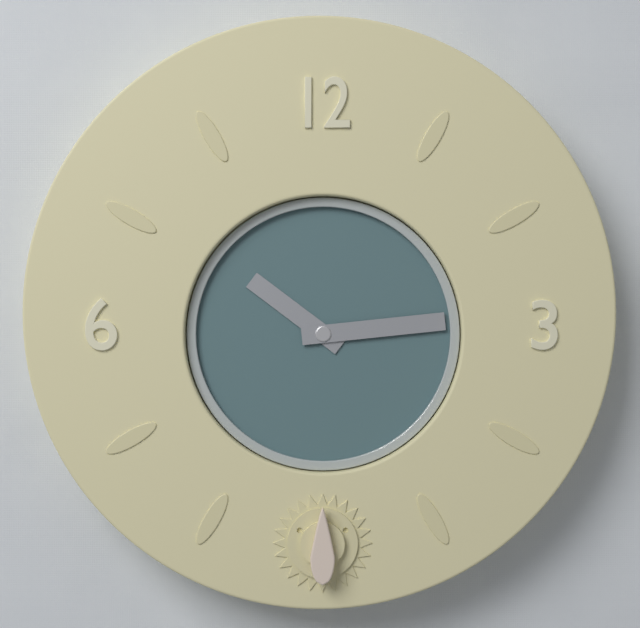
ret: {"hour": 10, "minute": 14}
